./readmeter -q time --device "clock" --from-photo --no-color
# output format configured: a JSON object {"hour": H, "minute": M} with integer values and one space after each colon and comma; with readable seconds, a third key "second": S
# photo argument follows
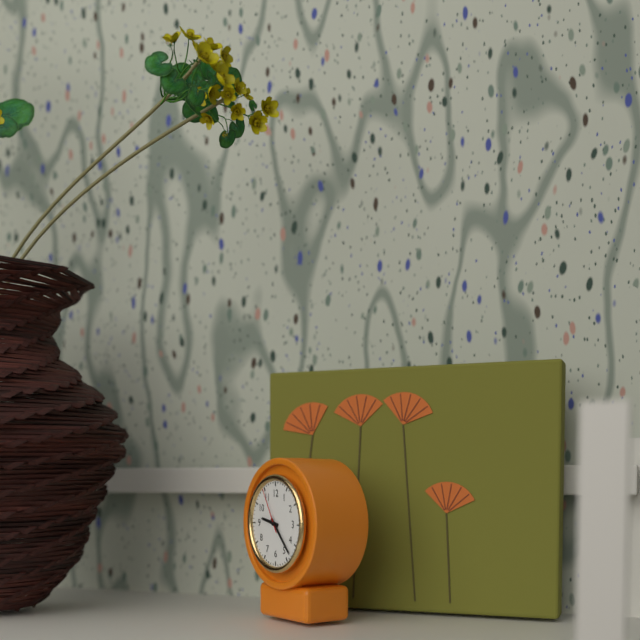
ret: {"hour": 9, "minute": 23}
